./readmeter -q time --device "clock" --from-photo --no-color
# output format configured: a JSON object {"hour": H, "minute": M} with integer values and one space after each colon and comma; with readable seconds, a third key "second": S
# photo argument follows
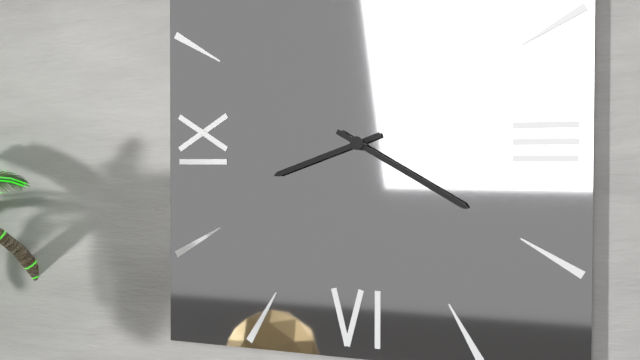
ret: {"hour": 8, "minute": 20}
